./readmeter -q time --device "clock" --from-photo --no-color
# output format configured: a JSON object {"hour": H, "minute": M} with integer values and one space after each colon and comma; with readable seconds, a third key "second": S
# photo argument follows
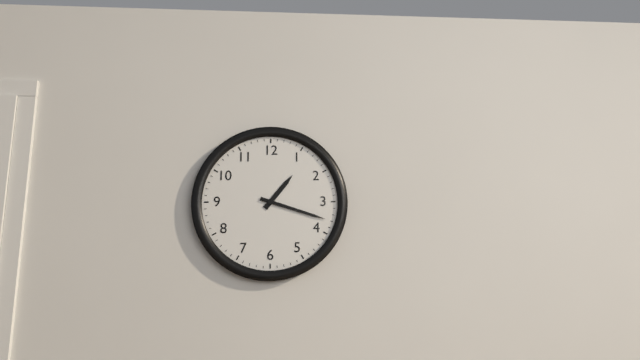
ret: {"hour": 1, "minute": 18}
